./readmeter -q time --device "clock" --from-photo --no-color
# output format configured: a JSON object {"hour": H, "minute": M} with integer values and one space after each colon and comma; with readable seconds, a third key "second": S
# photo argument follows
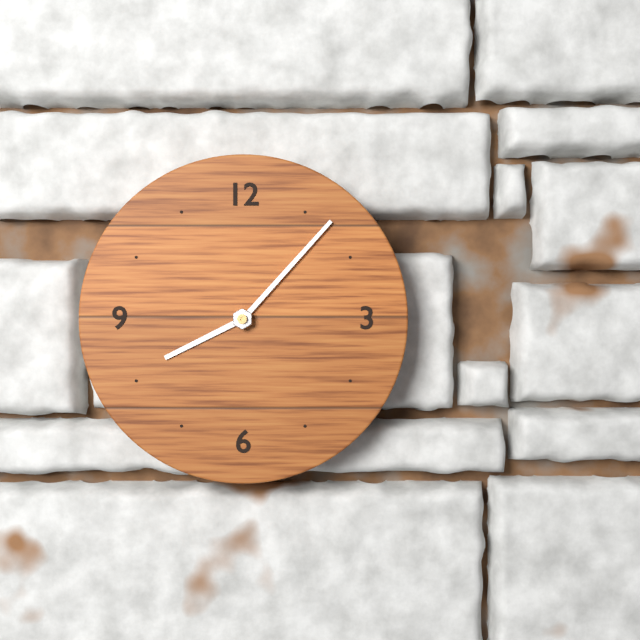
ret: {"hour": 8, "minute": 7}
